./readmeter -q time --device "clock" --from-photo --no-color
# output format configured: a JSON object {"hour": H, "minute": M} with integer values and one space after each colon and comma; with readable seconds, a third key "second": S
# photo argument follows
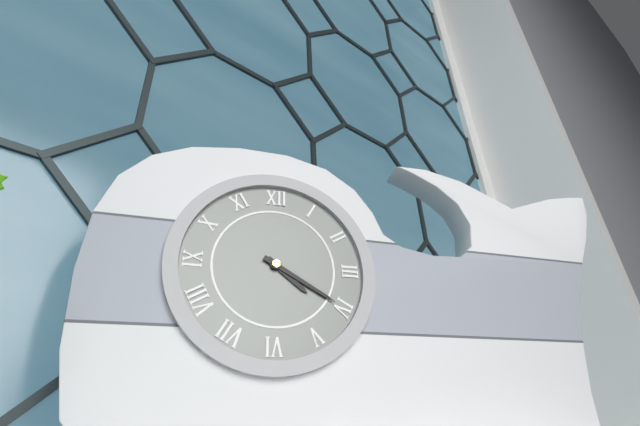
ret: {"hour": 4, "minute": 20}
